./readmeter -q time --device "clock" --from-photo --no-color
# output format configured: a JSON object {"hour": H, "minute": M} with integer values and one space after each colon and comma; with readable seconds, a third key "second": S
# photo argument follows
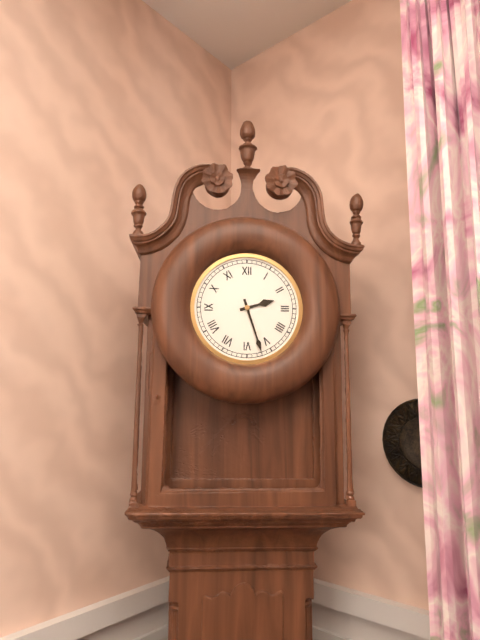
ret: {"hour": 2, "minute": 27}
